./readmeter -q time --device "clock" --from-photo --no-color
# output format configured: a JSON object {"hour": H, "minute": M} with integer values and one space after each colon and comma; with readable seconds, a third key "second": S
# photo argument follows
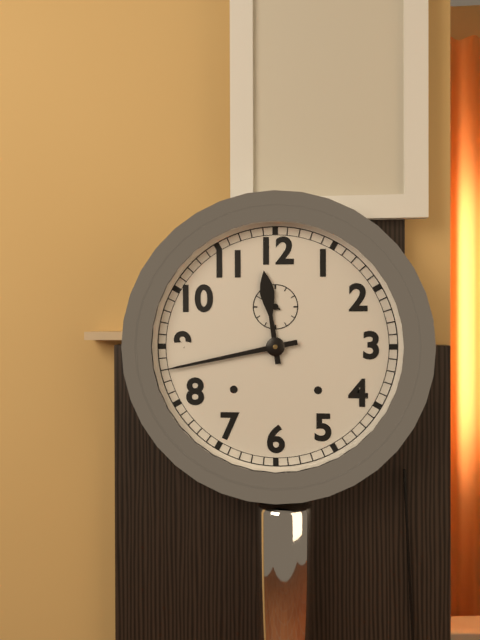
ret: {"hour": 11, "minute": 43}
